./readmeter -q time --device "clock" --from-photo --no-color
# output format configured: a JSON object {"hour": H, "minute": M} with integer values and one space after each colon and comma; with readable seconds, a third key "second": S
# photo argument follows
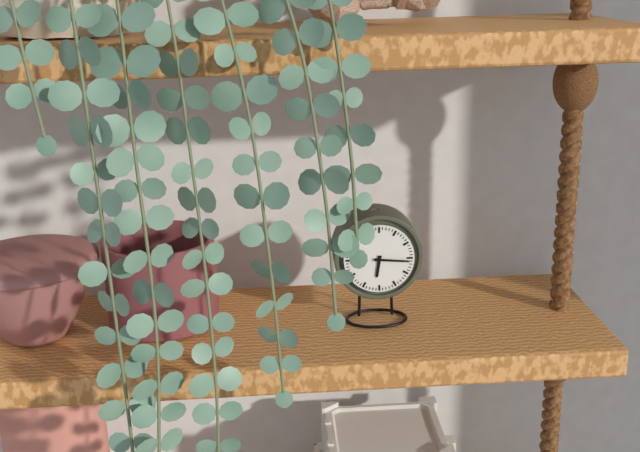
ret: {"hour": 6, "minute": 16}
